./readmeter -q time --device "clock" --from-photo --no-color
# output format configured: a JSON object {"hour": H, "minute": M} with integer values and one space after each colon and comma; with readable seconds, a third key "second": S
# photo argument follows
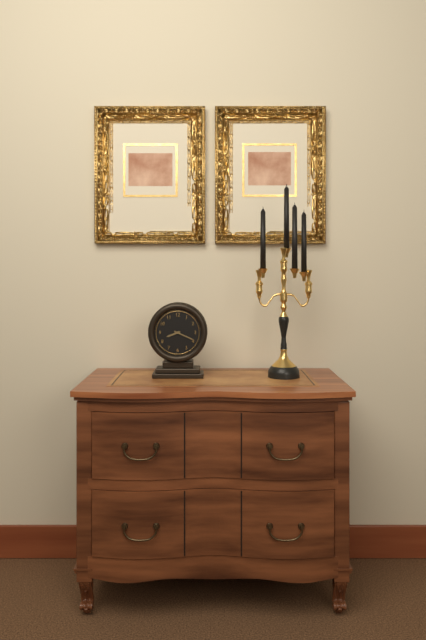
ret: {"hour": 8, "minute": 19}
